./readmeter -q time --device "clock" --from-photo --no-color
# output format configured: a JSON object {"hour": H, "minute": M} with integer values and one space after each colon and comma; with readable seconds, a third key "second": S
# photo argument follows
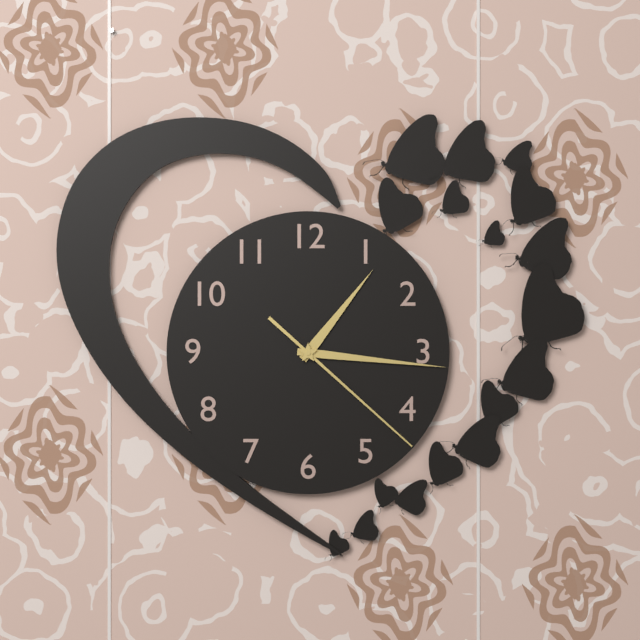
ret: {"hour": 1, "minute": 16, "second": 22}
